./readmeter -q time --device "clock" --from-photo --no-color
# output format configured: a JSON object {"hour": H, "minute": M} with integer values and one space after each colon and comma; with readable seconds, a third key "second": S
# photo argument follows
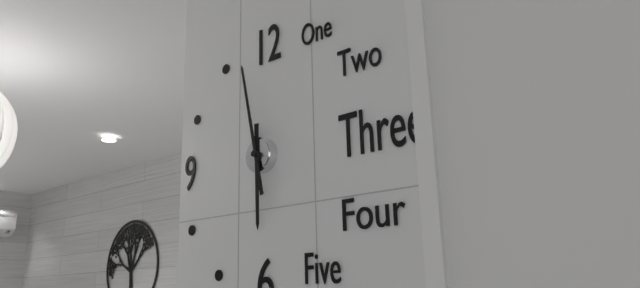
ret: {"hour": 5, "minute": 58}
